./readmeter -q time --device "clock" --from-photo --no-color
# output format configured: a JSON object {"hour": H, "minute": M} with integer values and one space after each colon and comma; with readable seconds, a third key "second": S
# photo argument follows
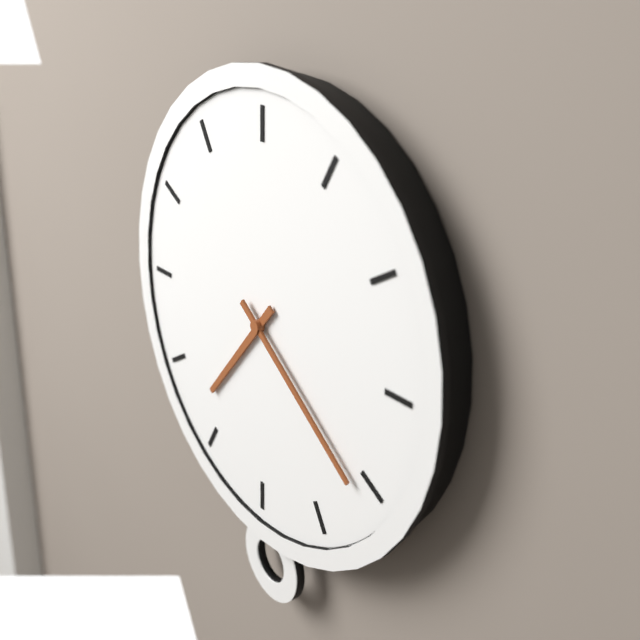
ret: {"hour": 7, "minute": 21}
